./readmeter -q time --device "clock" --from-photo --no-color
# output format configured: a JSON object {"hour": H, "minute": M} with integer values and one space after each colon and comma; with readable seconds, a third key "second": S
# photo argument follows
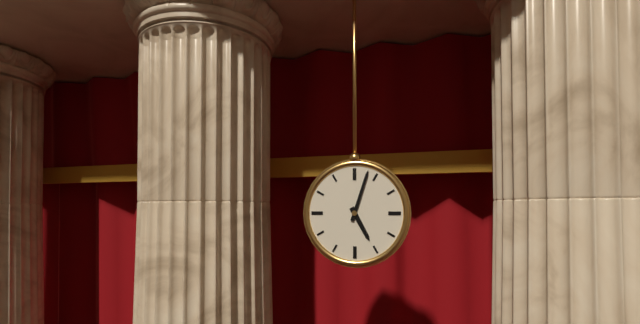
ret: {"hour": 5, "minute": 3}
